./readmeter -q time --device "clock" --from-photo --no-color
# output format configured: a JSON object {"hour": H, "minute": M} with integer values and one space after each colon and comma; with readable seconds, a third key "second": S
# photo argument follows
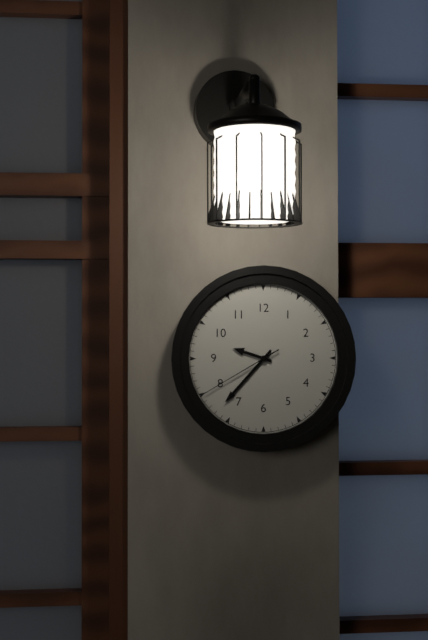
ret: {"hour": 9, "minute": 37, "second": 40}
